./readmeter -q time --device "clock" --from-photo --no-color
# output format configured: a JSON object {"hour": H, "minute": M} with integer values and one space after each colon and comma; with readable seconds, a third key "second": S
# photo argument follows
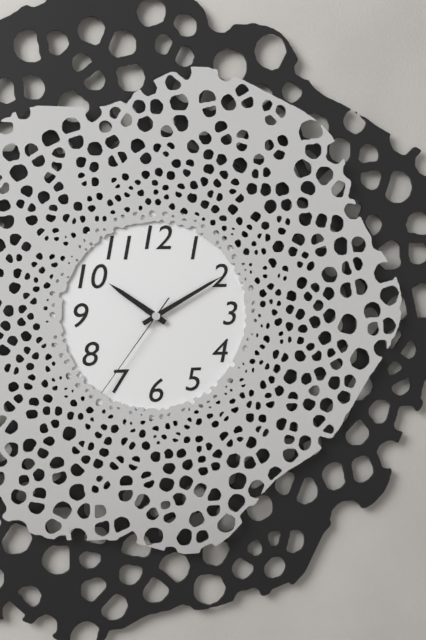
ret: {"hour": 10, "minute": 10, "second": 36}
